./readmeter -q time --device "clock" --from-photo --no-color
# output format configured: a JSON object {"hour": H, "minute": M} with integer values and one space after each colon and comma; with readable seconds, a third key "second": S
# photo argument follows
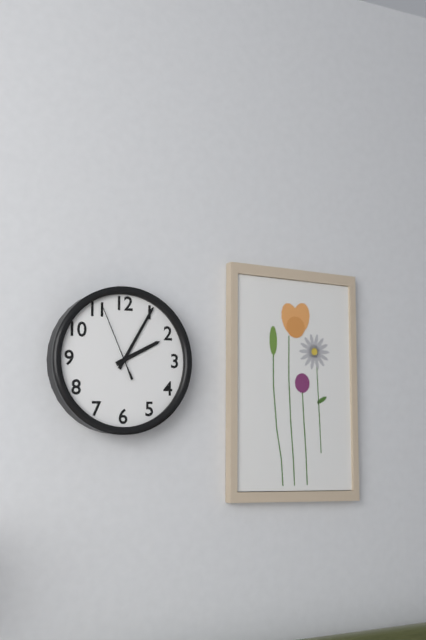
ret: {"hour": 2, "minute": 5, "second": 56}
